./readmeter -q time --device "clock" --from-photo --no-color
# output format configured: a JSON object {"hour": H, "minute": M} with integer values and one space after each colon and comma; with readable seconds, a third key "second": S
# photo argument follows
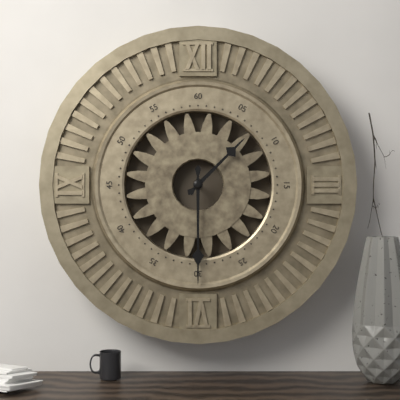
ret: {"hour": 1, "minute": 30}
